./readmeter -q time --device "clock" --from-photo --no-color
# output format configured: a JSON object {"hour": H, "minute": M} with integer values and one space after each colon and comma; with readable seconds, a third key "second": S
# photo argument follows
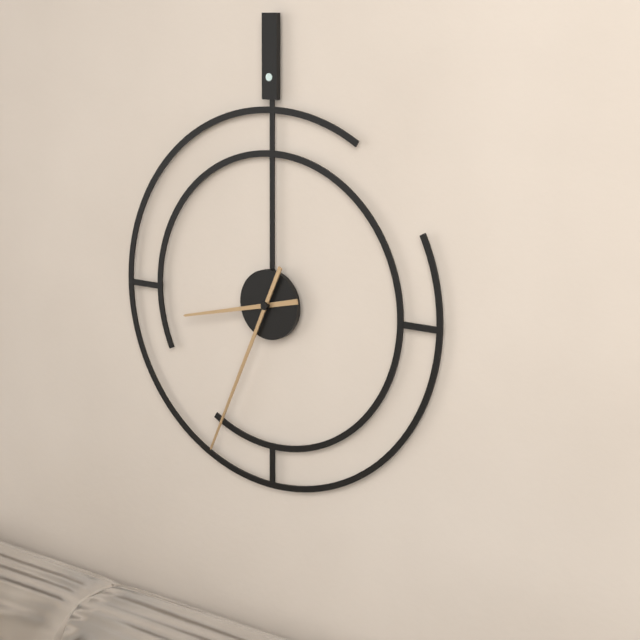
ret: {"hour": 8, "minute": 34}
